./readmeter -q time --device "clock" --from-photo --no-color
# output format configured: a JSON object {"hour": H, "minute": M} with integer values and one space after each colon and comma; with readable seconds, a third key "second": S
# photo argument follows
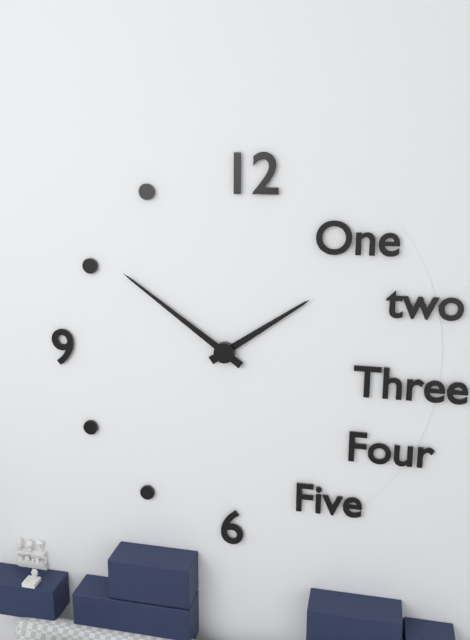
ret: {"hour": 1, "minute": 51}
